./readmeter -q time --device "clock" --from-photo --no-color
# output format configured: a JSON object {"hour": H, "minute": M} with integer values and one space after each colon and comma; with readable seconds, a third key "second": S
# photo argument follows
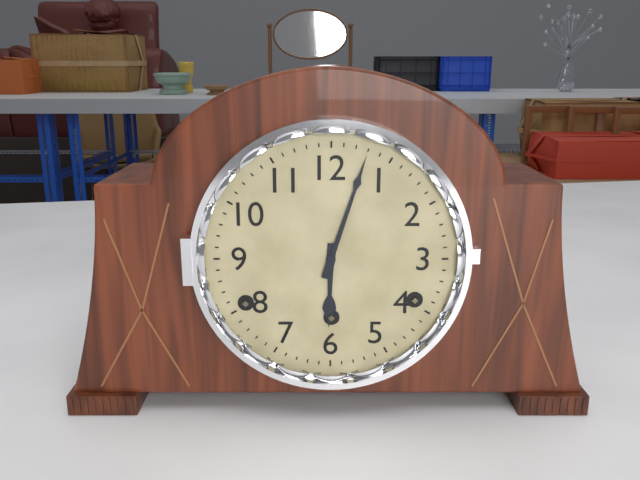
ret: {"hour": 6, "minute": 3}
